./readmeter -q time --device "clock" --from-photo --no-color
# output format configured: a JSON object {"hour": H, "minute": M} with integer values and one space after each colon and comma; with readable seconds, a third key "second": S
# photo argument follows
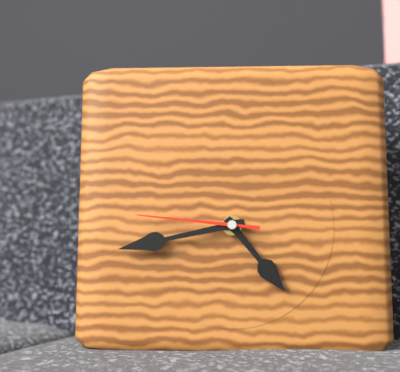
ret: {"hour": 4, "minute": 43, "second": 46}
